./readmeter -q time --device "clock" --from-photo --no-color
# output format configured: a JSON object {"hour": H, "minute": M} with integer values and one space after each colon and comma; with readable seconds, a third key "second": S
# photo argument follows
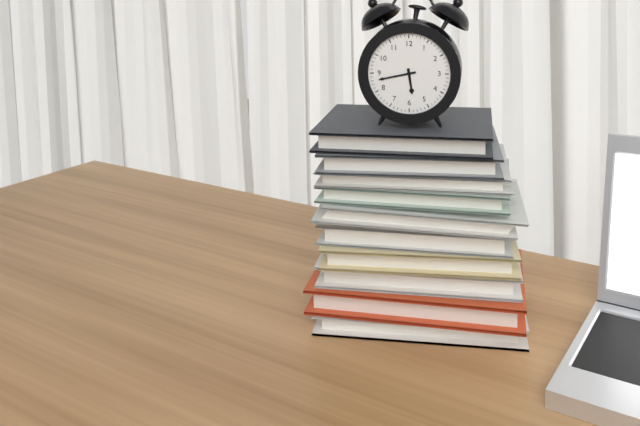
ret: {"hour": 5, "minute": 43}
